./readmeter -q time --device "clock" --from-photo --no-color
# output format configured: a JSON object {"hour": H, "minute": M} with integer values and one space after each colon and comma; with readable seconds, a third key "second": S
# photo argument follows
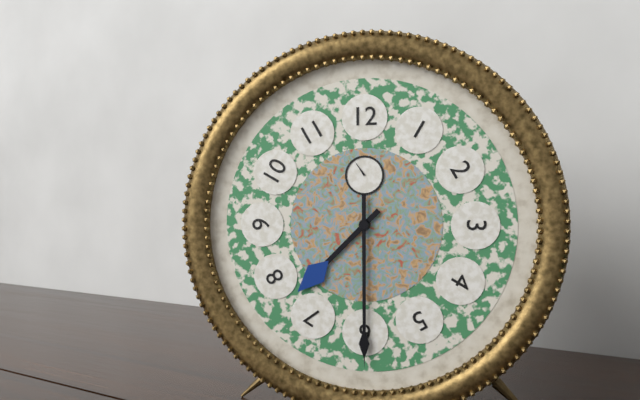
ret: {"hour": 7, "minute": 30}
